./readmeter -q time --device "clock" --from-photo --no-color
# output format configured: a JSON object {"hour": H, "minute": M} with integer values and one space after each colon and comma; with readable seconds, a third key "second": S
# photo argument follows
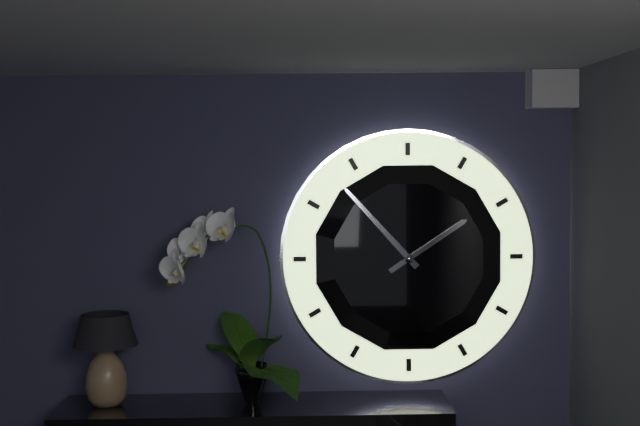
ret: {"hour": 1, "minute": 53}
